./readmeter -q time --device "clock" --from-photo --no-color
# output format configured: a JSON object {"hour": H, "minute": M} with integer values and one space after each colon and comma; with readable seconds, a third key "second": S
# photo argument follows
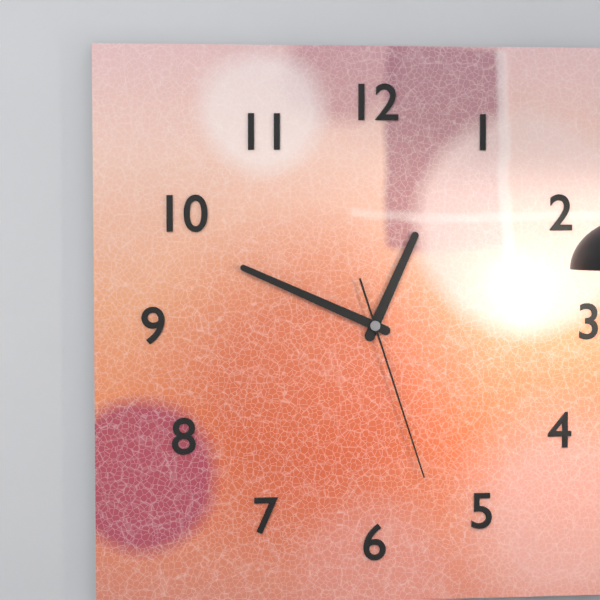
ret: {"hour": 12, "minute": 49, "second": 27}
